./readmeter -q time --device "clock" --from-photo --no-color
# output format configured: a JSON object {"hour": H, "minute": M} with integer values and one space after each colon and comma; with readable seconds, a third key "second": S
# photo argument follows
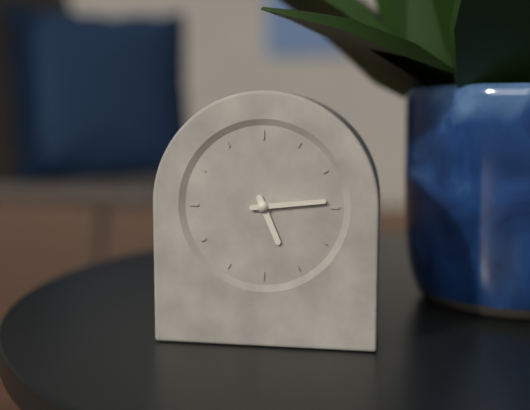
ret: {"hour": 5, "minute": 14}
